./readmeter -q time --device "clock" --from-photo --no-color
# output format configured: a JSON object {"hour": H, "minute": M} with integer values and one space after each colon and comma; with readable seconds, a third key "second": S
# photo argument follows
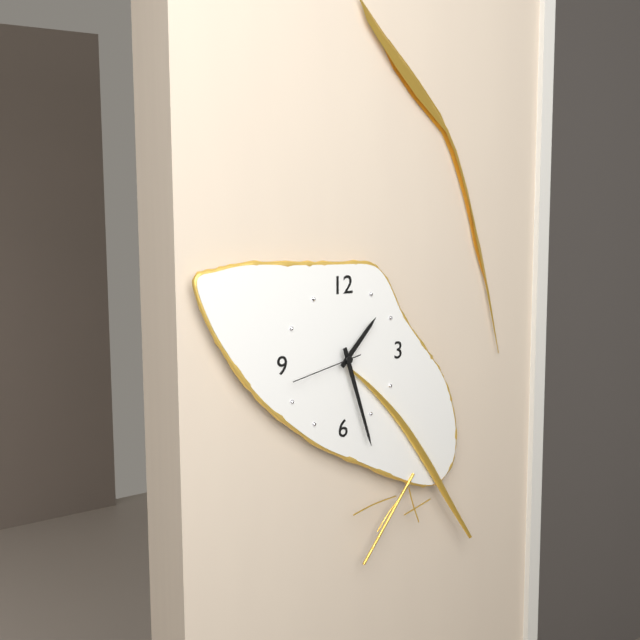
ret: {"hour": 1, "minute": 27, "second": 43}
